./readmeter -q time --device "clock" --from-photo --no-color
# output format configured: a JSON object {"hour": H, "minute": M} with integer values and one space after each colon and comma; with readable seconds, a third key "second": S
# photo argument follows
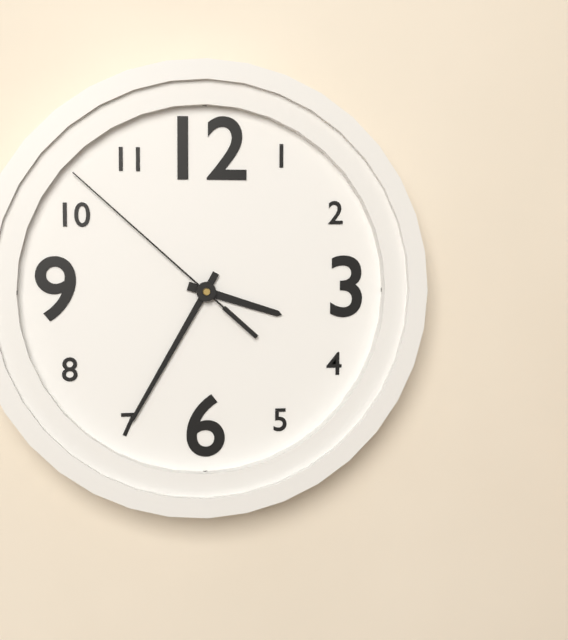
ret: {"hour": 3, "minute": 35, "second": 52}
